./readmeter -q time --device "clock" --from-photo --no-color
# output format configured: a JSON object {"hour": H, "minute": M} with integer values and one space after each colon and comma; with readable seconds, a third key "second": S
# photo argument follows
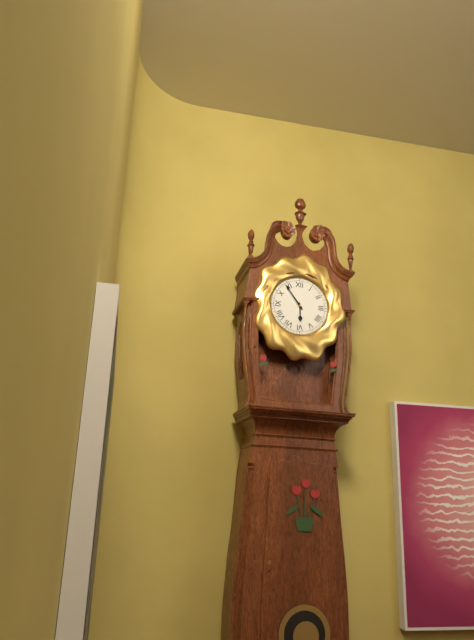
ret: {"hour": 5, "minute": 54}
